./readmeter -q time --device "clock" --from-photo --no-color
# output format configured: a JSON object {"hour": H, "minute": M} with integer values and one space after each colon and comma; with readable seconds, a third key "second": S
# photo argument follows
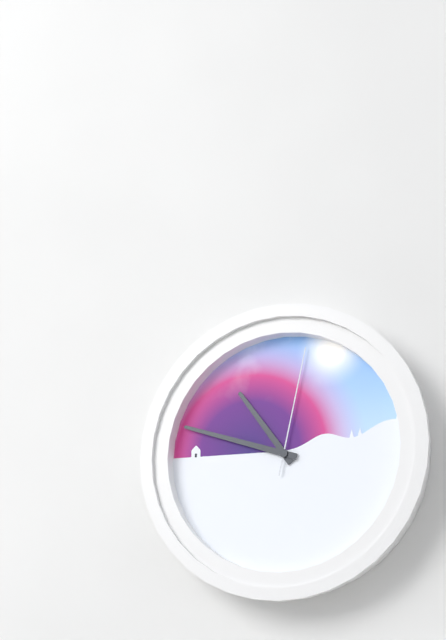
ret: {"hour": 10, "minute": 48, "second": 2}
